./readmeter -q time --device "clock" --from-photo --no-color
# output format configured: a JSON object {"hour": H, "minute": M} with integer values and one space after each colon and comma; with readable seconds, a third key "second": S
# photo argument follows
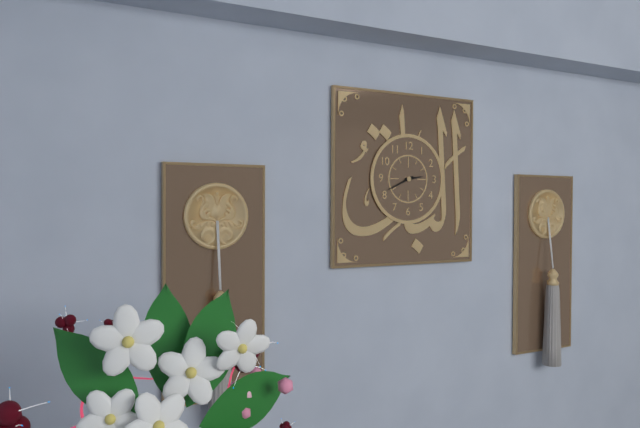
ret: {"hour": 2, "minute": 41}
